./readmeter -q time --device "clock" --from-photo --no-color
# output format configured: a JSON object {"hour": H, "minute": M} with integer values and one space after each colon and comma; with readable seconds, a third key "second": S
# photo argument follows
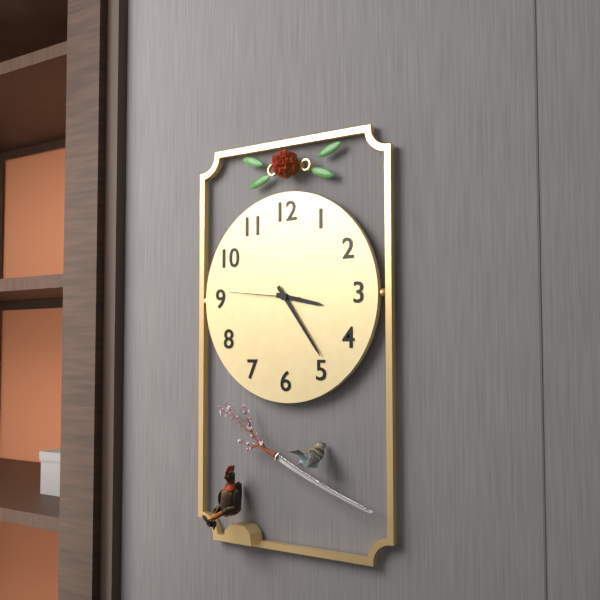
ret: {"hour": 3, "minute": 24, "second": 46}
